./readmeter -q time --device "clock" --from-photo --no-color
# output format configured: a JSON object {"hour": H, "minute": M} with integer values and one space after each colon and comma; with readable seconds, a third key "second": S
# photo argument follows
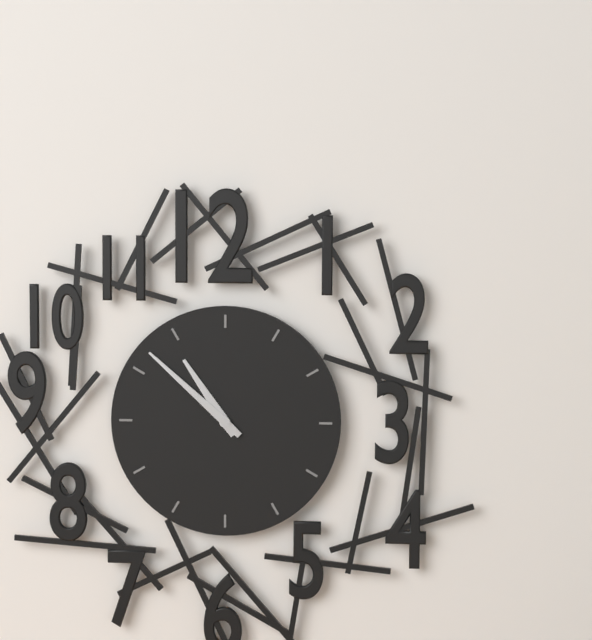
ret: {"hour": 10, "minute": 52}
